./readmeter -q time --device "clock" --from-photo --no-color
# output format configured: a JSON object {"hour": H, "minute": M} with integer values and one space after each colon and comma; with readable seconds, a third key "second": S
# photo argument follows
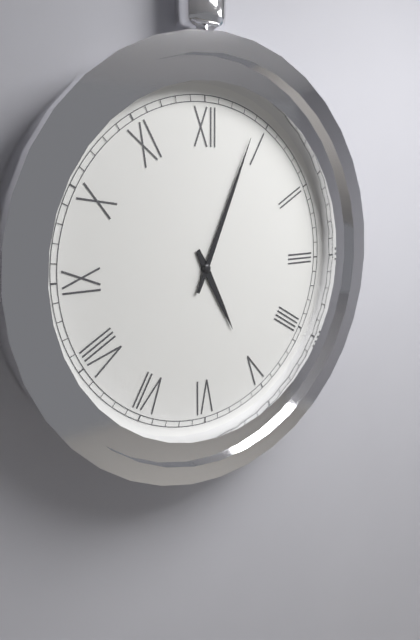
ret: {"hour": 5, "minute": 4}
